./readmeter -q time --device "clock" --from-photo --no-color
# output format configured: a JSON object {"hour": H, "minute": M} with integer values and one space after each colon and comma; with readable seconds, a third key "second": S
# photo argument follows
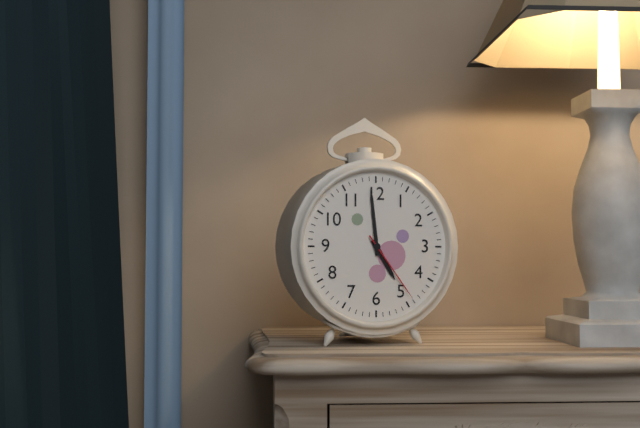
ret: {"hour": 4, "minute": 59, "second": 24}
